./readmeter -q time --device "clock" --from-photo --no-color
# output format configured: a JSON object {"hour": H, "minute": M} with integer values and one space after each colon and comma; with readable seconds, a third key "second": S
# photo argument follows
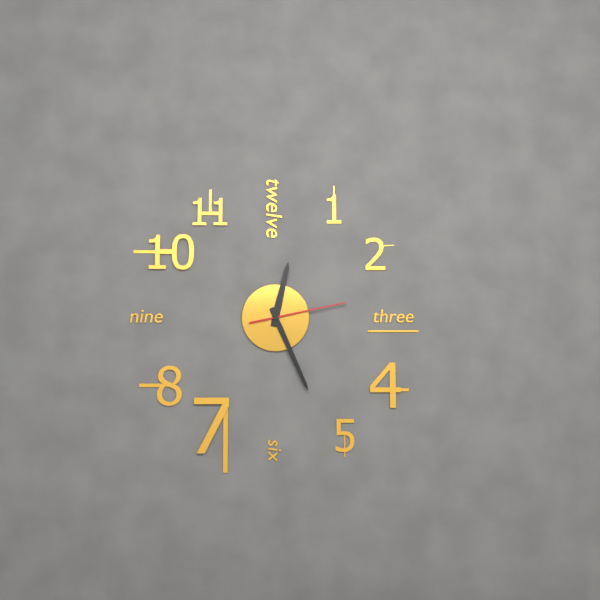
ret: {"hour": 12, "minute": 26, "second": 13}
